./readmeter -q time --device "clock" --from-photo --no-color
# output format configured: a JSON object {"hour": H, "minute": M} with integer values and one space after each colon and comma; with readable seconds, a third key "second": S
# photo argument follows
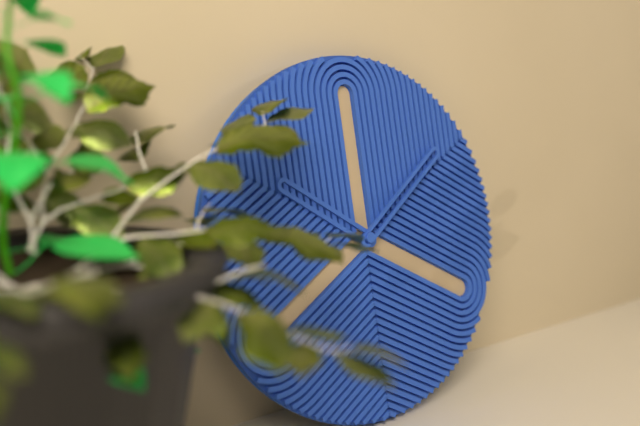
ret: {"hour": 10, "minute": 9}
